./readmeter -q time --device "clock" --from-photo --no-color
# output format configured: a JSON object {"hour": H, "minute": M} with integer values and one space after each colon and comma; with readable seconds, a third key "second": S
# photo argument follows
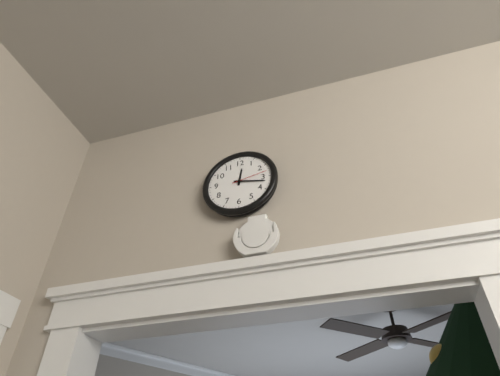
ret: {"hour": 12, "minute": 17}
